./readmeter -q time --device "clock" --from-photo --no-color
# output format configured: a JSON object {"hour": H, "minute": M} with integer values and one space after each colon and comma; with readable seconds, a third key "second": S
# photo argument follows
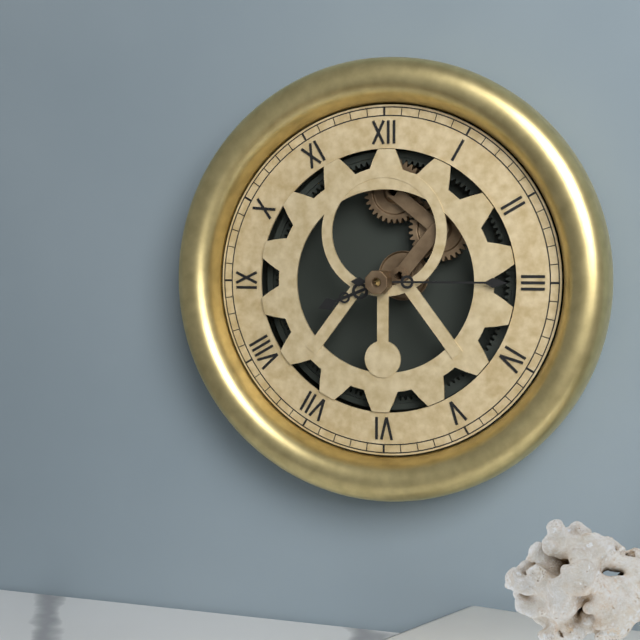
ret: {"hour": 8, "minute": 15}
